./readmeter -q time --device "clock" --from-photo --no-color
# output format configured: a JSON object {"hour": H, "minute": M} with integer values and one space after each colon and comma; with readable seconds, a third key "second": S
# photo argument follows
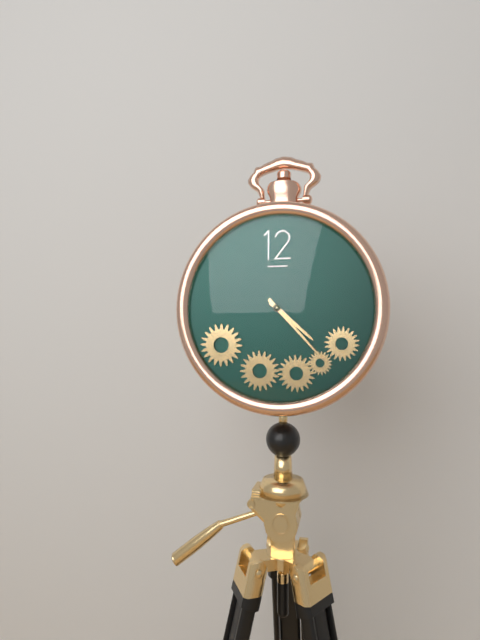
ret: {"hour": 4, "minute": 23}
